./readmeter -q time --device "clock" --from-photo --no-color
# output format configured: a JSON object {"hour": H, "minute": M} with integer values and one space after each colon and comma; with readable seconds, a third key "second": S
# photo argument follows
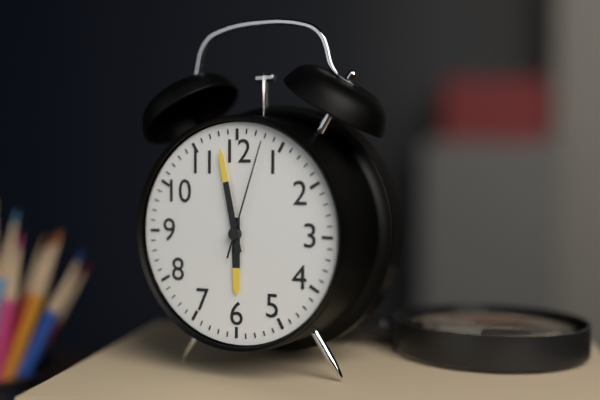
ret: {"hour": 5, "minute": 58, "second": 3}
